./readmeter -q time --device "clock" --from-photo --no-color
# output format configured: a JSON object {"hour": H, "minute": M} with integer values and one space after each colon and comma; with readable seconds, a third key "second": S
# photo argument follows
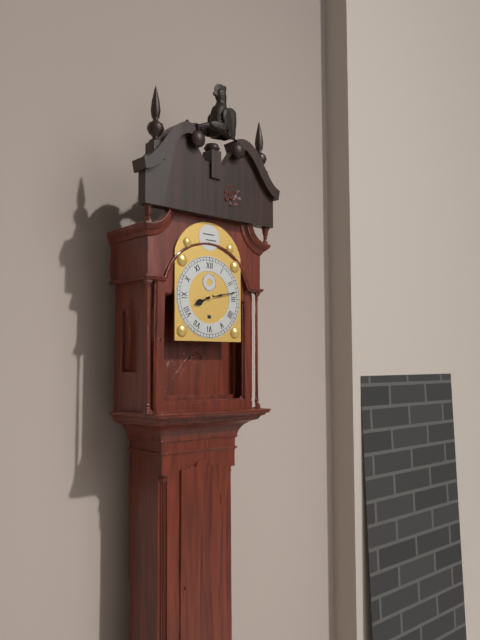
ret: {"hour": 8, "minute": 13}
